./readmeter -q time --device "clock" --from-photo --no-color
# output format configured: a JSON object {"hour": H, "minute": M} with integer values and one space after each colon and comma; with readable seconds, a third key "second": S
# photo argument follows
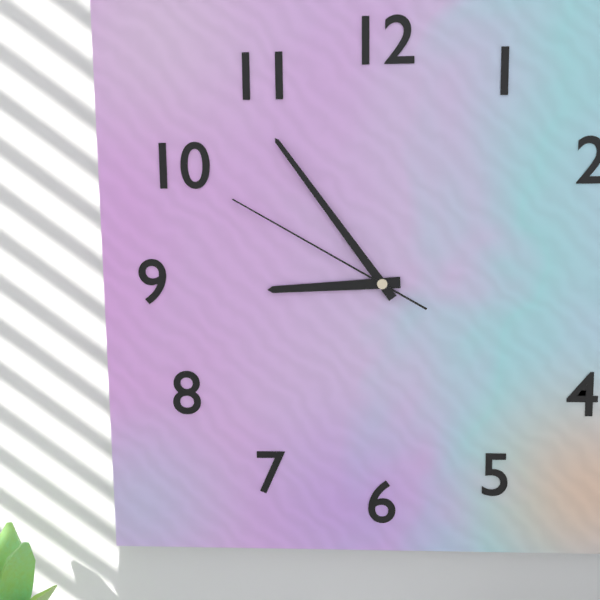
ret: {"hour": 8, "minute": 54, "second": 50}
